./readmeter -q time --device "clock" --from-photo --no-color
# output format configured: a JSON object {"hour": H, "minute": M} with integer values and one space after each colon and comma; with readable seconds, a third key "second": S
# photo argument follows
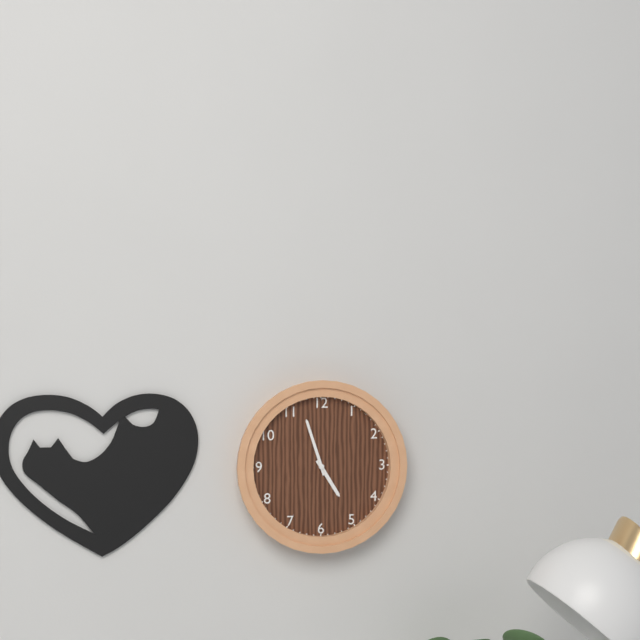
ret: {"hour": 4, "minute": 57}
